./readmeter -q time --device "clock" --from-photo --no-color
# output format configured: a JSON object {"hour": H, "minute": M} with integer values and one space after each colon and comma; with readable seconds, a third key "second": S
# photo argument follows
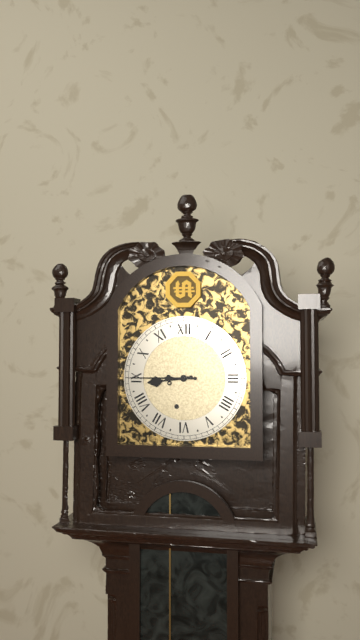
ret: {"hour": 8, "minute": 45}
